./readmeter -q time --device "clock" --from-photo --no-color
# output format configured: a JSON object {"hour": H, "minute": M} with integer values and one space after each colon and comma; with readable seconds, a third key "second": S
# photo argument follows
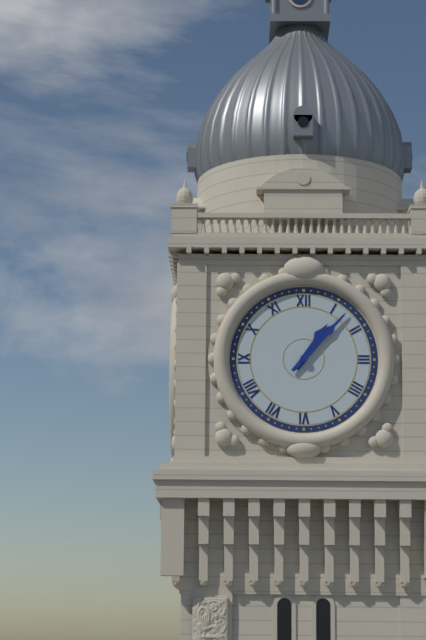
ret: {"hour": 1, "minute": 7}
